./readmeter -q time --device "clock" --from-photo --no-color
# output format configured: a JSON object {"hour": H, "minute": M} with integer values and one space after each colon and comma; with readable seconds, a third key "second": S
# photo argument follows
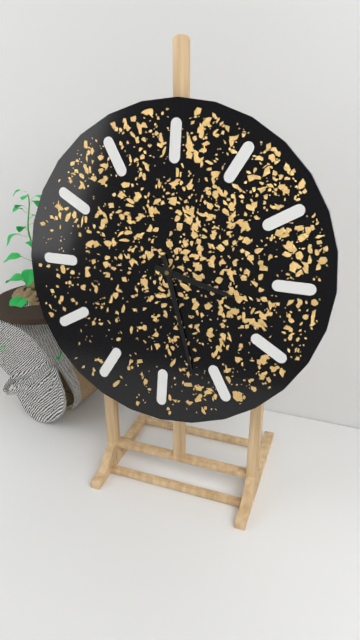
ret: {"hour": 3, "minute": 27}
